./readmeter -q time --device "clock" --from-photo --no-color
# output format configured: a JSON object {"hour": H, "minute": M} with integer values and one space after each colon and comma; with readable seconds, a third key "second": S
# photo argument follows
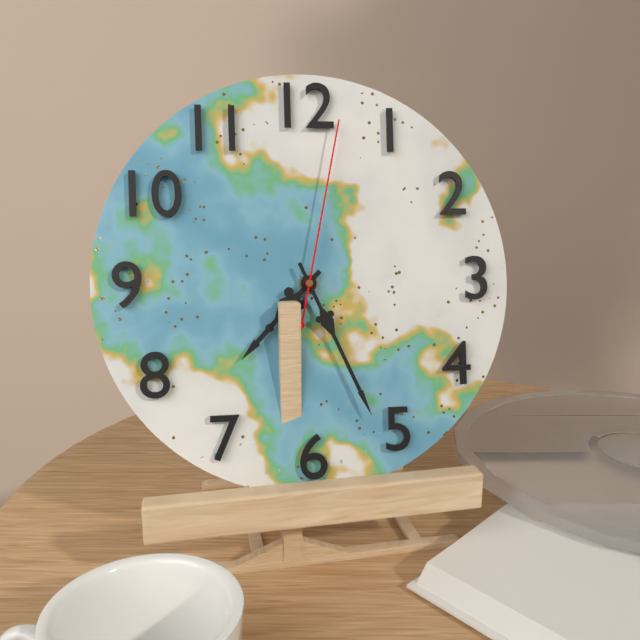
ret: {"hour": 7, "minute": 26, "second": 2}
